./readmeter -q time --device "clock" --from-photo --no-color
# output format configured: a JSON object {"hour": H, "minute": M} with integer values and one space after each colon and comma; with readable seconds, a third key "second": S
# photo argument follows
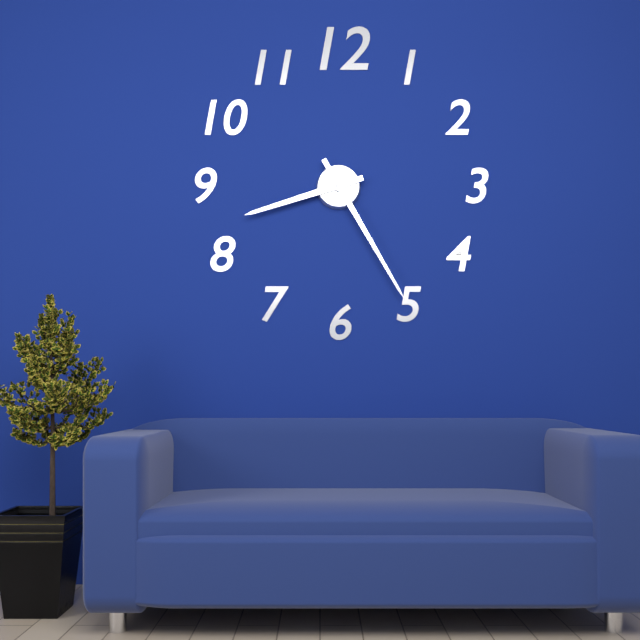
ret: {"hour": 8, "minute": 25}
